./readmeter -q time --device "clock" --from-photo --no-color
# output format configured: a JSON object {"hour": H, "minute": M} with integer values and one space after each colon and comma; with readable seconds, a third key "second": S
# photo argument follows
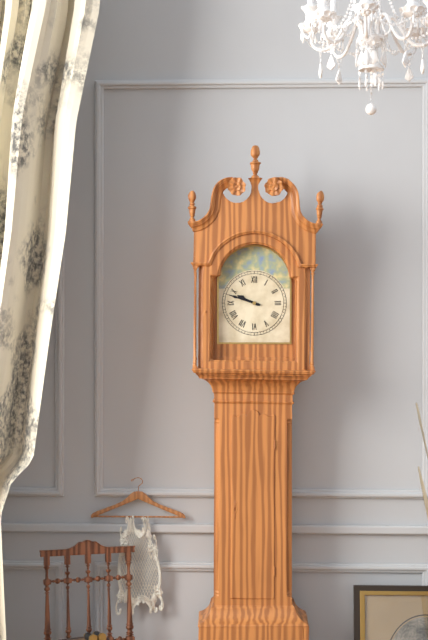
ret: {"hour": 9, "minute": 48}
